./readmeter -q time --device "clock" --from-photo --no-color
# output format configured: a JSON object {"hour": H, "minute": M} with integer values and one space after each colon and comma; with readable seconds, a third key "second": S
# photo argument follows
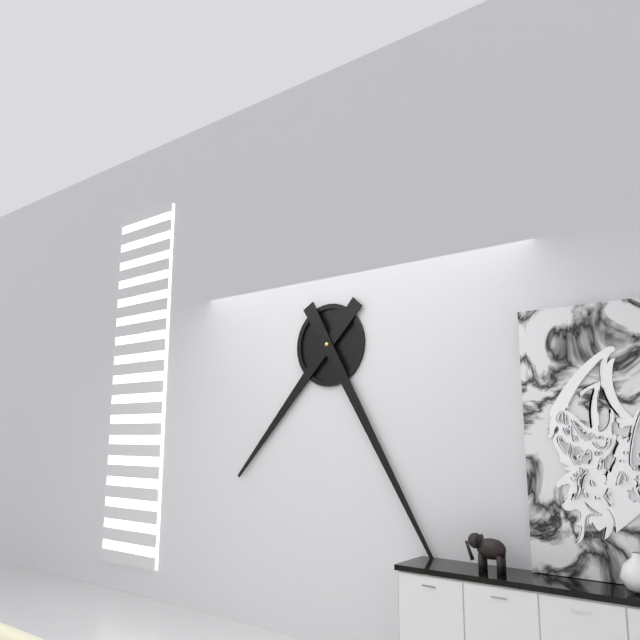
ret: {"hour": 7, "minute": 25}
